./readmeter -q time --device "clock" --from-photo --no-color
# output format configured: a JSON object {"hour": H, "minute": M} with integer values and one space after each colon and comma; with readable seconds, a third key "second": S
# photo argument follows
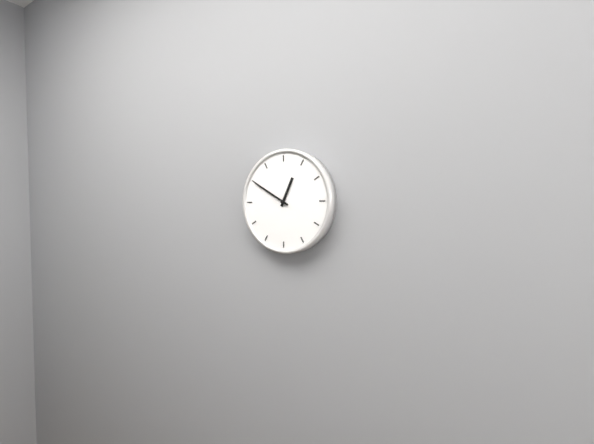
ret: {"hour": 12, "minute": 50}
